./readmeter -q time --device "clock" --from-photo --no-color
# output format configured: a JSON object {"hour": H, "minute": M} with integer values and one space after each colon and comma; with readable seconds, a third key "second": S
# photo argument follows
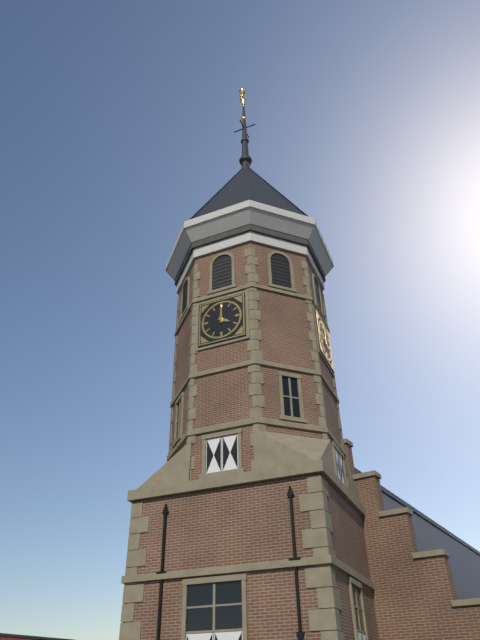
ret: {"hour": 4, "minute": 0}
